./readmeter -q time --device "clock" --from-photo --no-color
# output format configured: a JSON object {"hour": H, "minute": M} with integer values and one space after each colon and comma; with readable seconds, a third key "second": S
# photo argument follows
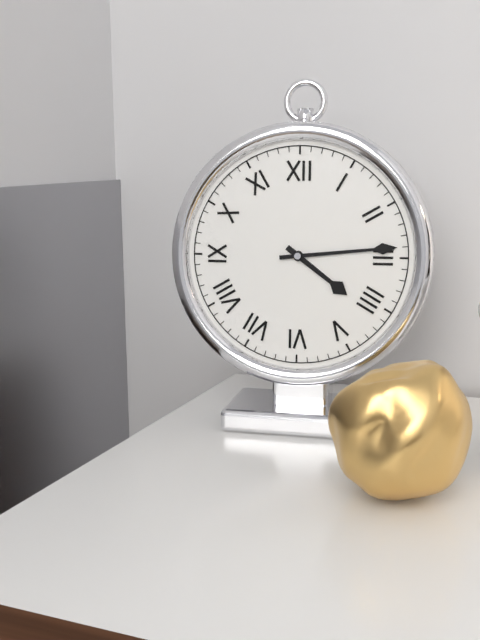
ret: {"hour": 4, "minute": 14}
